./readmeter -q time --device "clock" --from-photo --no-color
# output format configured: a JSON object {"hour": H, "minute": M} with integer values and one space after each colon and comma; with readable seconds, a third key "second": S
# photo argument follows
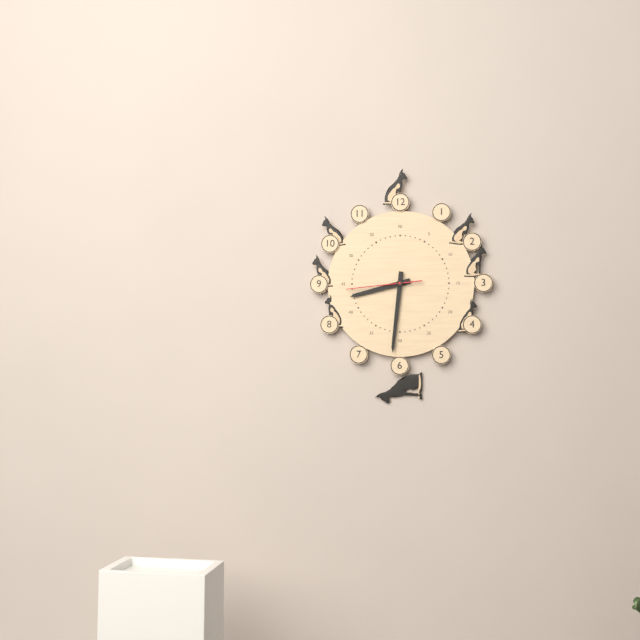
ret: {"hour": 8, "minute": 31, "second": 44}
